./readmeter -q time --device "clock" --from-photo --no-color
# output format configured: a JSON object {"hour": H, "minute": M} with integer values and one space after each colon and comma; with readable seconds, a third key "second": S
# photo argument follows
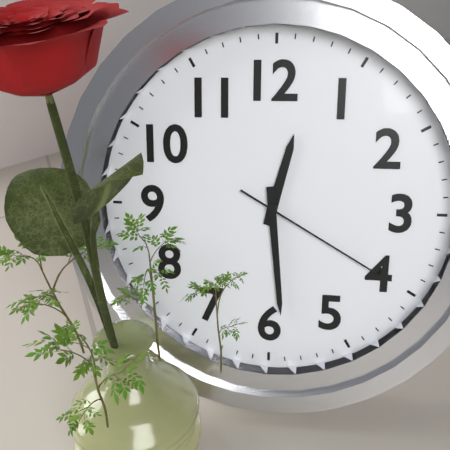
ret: {"hour": 12, "minute": 29, "second": 20}
